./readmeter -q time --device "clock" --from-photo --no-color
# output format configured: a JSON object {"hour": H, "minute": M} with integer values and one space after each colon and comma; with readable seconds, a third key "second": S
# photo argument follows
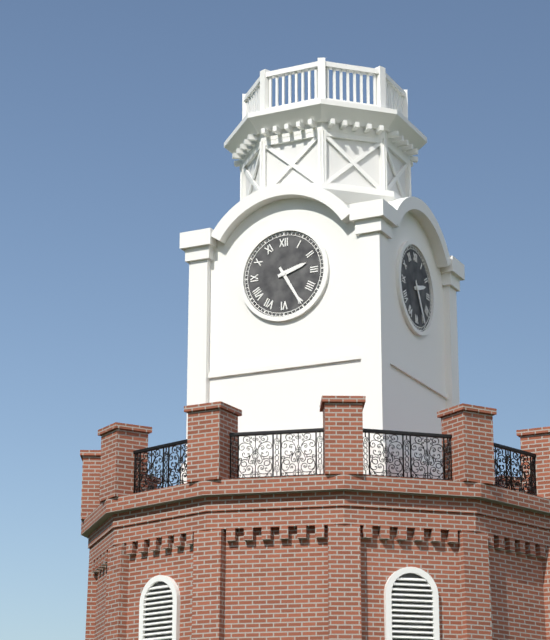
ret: {"hour": 2, "minute": 25}
